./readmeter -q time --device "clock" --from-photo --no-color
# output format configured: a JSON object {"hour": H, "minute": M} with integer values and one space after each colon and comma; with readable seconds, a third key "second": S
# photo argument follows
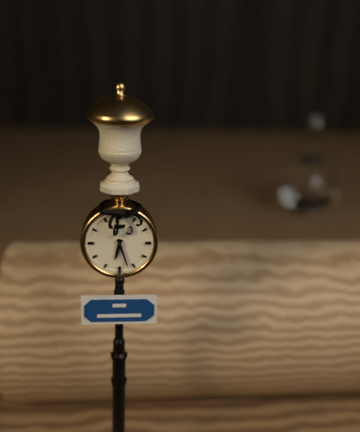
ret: {"hour": 6, "minute": 27}
